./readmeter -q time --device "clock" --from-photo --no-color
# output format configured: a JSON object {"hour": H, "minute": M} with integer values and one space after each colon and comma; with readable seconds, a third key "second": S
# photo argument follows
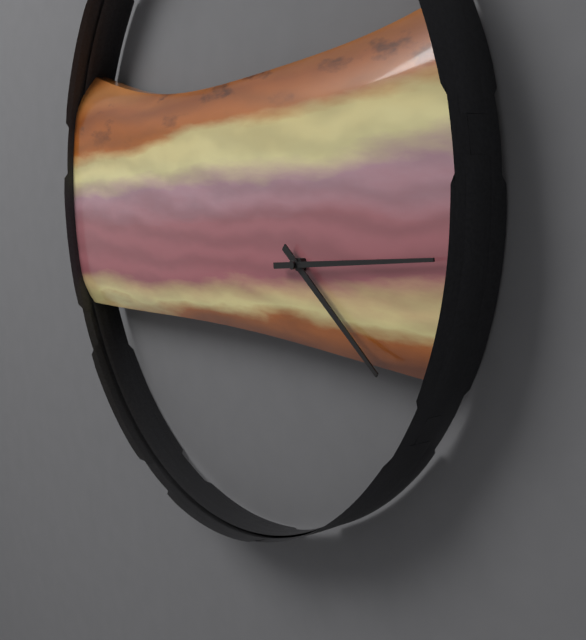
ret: {"hour": 4, "minute": 14}
